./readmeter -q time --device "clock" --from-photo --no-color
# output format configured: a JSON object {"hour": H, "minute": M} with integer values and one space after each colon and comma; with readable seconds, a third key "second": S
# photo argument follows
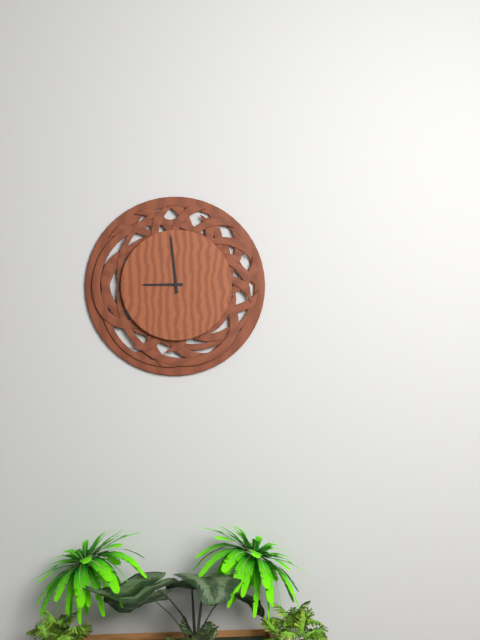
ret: {"hour": 8, "minute": 59}
